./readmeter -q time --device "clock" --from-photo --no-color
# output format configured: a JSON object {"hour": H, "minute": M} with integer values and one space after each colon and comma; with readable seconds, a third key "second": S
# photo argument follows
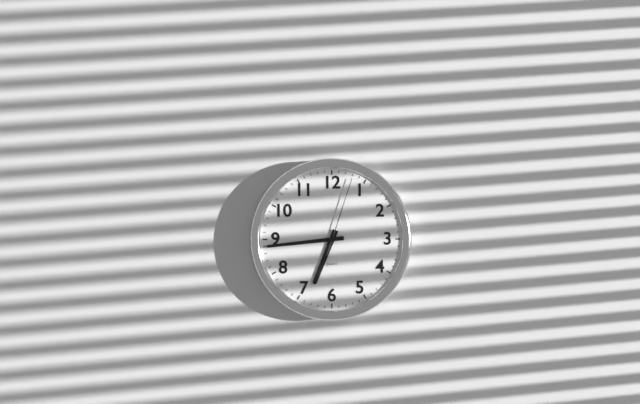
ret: {"hour": 6, "minute": 44, "second": 3}
